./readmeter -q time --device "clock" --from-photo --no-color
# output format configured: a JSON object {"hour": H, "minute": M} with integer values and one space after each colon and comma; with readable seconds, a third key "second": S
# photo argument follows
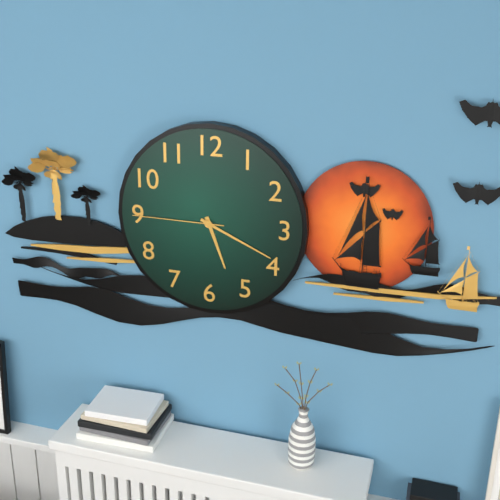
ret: {"hour": 5, "minute": 19, "second": 45}
